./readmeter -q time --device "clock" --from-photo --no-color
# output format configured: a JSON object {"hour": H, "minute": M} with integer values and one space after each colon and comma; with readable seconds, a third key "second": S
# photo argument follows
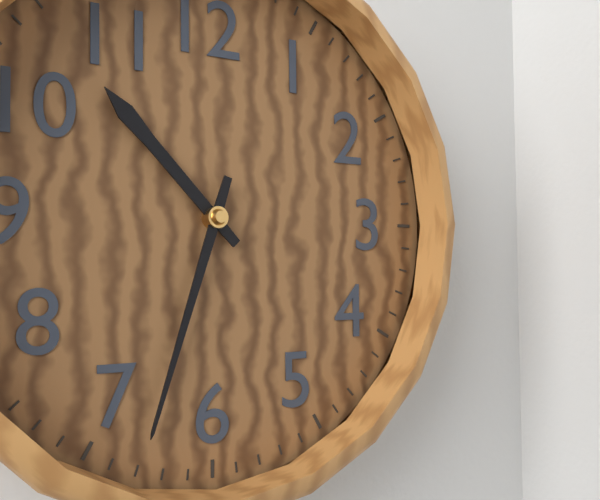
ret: {"hour": 10, "minute": 33}
